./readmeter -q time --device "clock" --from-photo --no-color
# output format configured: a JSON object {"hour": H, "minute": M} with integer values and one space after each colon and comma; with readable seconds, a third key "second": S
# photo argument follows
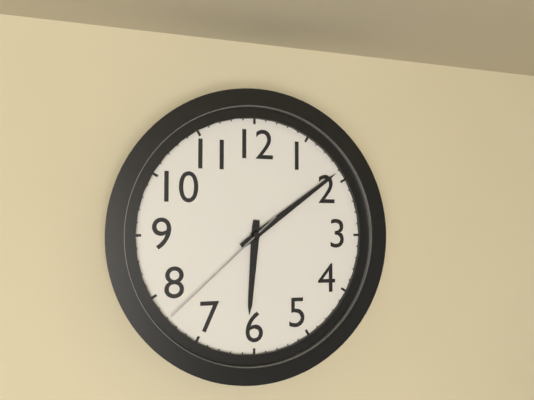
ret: {"hour": 6, "minute": 9, "second": 38}
